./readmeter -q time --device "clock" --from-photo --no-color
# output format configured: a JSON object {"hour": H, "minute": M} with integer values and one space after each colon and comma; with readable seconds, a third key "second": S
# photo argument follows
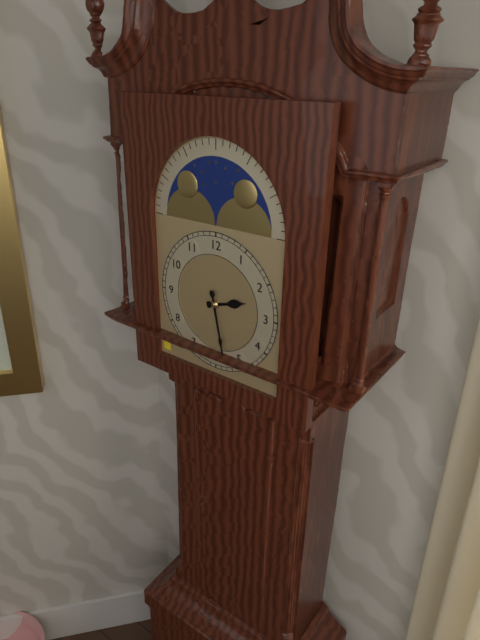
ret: {"hour": 2, "minute": 28}
